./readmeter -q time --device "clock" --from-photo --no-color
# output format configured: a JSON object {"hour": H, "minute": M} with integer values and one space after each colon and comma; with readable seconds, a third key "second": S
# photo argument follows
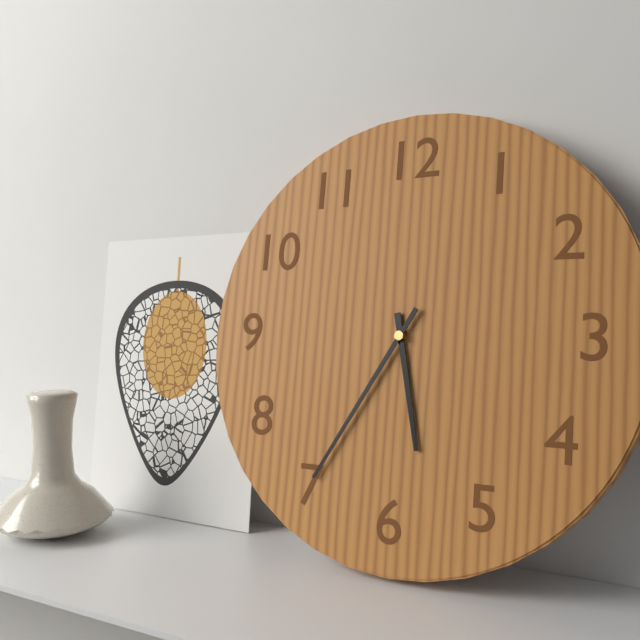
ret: {"hour": 5, "minute": 35}
